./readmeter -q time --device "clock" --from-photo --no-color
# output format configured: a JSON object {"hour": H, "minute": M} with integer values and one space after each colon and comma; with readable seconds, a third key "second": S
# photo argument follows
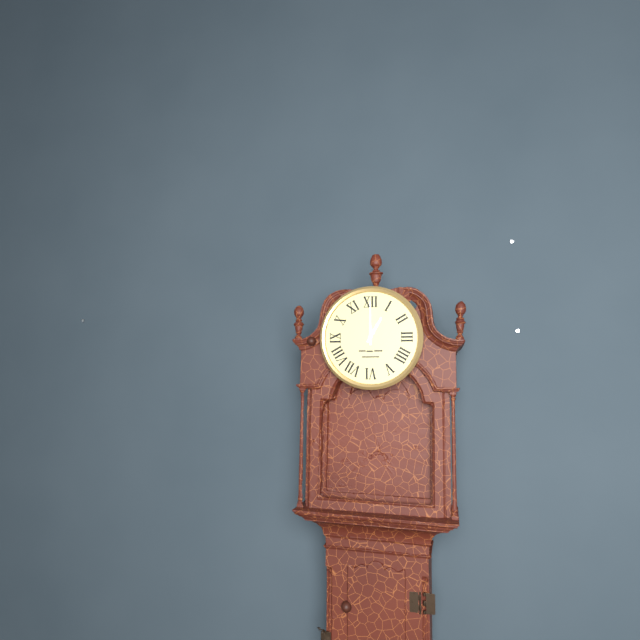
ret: {"hour": 1, "minute": 0}
